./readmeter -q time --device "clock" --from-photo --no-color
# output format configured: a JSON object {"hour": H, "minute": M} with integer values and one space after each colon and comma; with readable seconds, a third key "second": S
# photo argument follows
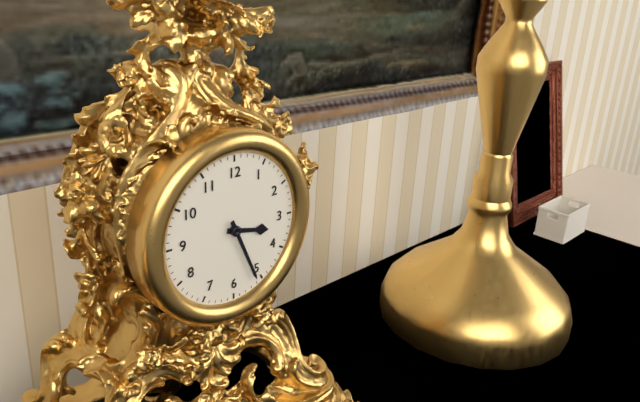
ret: {"hour": 3, "minute": 26}
